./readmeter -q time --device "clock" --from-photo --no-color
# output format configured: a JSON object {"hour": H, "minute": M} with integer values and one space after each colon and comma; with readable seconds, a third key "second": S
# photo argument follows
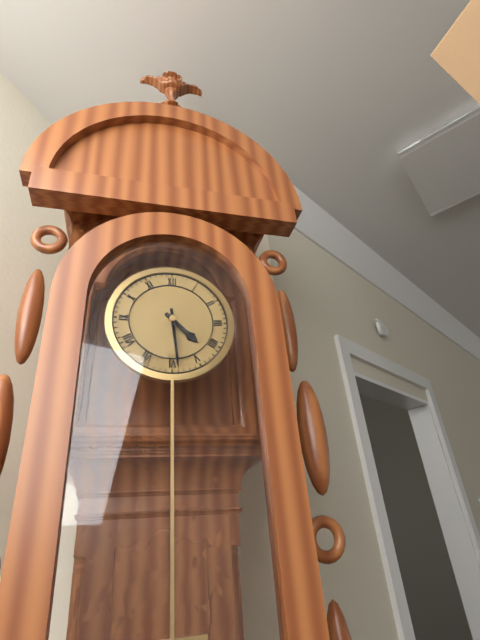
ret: {"hour": 4, "minute": 29}
